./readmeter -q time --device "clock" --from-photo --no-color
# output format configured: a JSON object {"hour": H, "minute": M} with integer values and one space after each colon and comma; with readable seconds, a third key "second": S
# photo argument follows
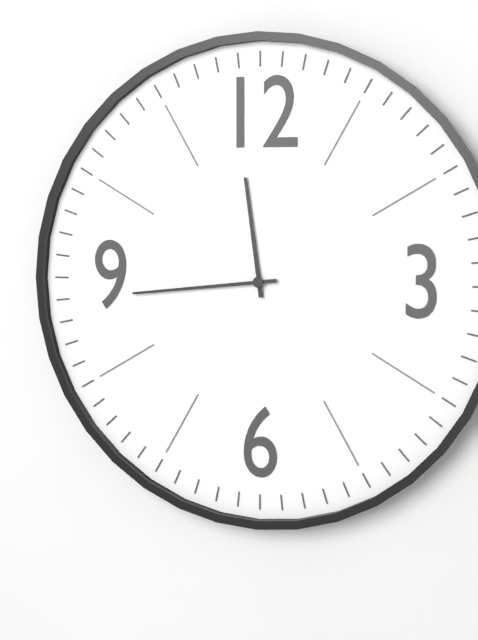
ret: {"hour": 11, "minute": 44}
